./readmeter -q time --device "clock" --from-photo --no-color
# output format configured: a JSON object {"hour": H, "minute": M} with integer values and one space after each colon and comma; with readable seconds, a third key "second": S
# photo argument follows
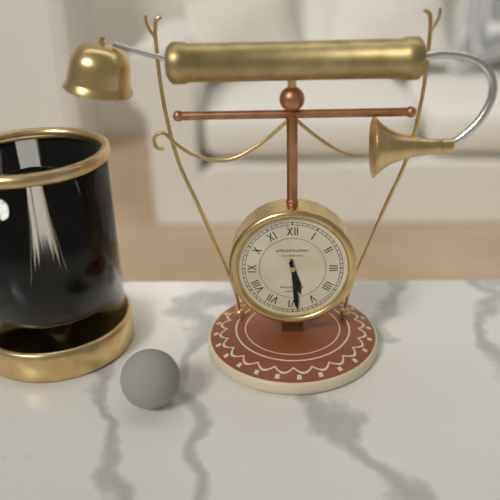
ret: {"hour": 5, "minute": 29}
